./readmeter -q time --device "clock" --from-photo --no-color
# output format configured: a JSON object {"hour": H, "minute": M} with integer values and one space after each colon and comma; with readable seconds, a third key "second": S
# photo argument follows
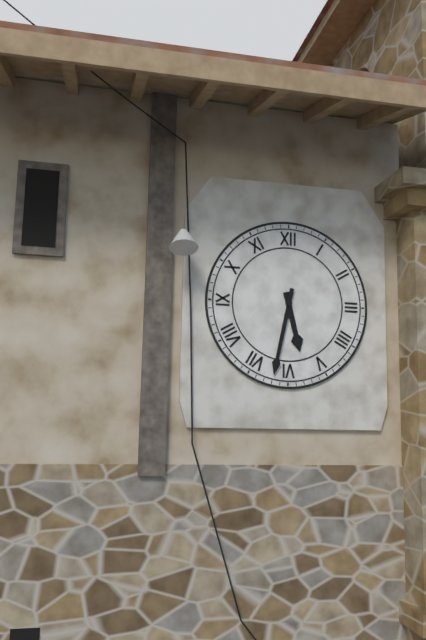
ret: {"hour": 5, "minute": 32}
